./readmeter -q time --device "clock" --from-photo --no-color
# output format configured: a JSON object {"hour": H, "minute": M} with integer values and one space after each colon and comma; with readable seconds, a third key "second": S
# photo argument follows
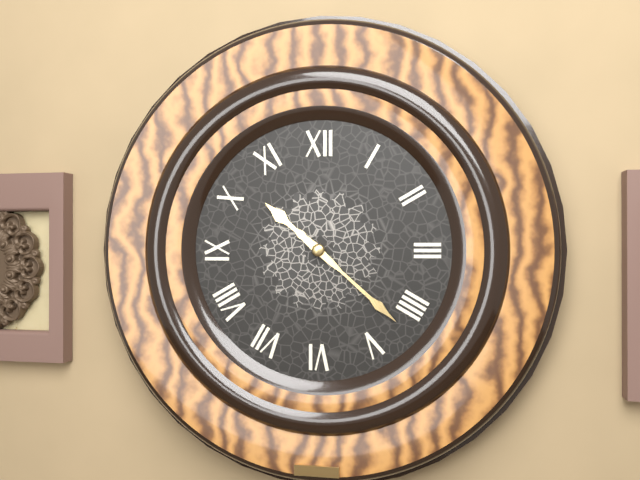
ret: {"hour": 10, "minute": 22}
